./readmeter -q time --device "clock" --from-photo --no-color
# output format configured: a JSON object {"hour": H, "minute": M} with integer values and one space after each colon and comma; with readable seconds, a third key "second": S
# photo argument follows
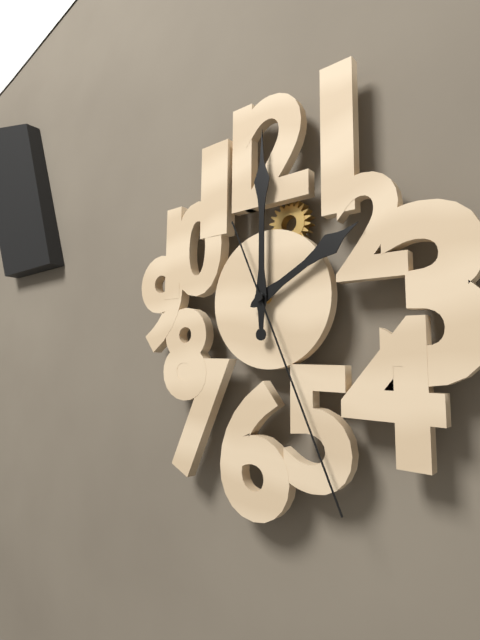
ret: {"hour": 2, "minute": 0, "second": 26}
